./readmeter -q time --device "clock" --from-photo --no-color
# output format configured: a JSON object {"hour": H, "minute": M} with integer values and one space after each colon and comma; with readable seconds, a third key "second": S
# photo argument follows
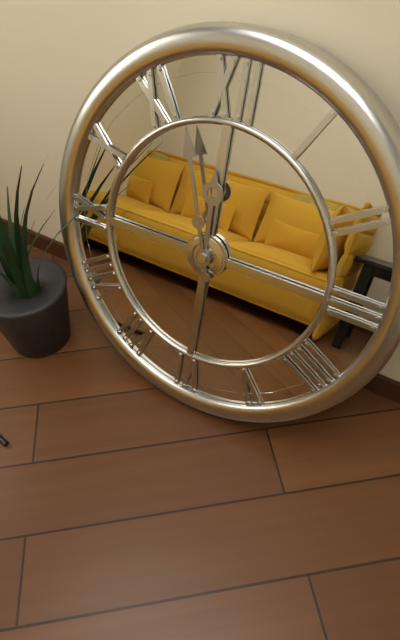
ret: {"hour": 11, "minute": 57}
